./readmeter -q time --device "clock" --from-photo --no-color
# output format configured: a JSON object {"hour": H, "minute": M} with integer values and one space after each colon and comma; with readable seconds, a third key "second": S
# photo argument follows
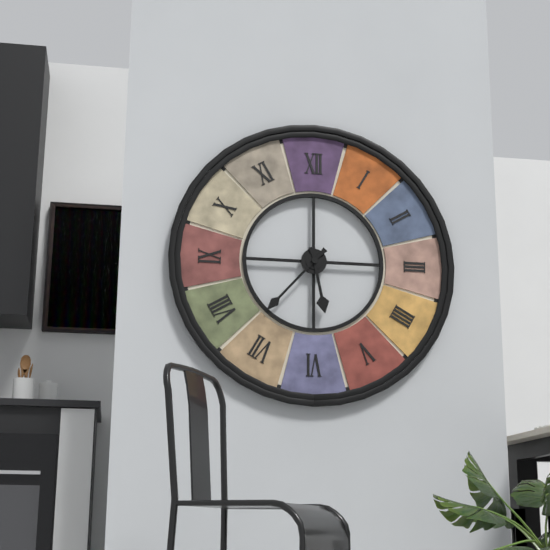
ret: {"hour": 5, "minute": 37}
